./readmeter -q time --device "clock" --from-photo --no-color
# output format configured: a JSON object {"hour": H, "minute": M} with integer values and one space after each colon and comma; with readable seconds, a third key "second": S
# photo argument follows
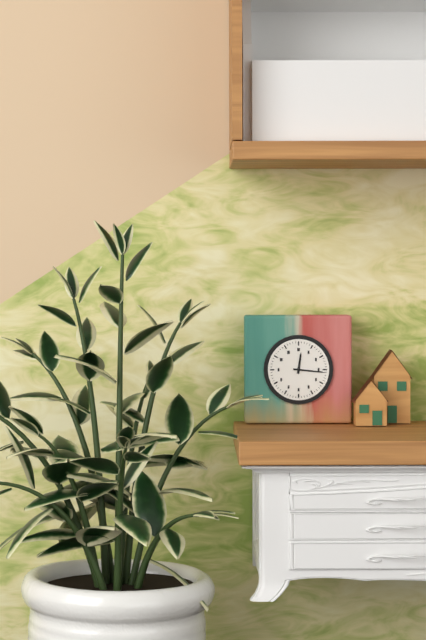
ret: {"hour": 12, "minute": 16}
